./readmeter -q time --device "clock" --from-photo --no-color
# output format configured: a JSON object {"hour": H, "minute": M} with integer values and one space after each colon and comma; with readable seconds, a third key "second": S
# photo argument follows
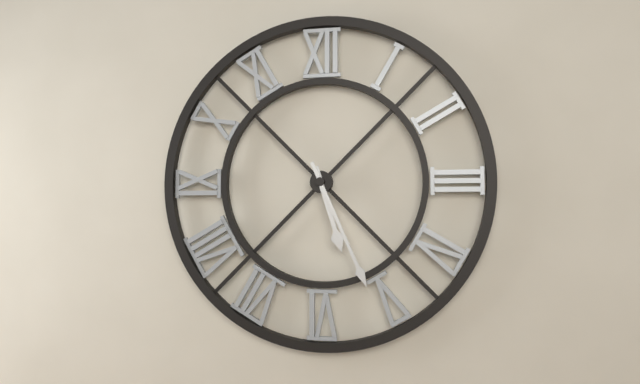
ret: {"hour": 5, "minute": 26}
